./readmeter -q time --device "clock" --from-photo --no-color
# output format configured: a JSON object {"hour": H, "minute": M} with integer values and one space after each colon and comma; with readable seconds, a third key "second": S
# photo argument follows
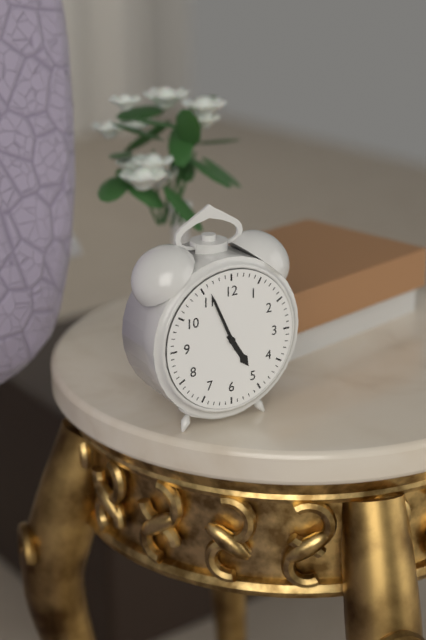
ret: {"hour": 4, "minute": 56}
